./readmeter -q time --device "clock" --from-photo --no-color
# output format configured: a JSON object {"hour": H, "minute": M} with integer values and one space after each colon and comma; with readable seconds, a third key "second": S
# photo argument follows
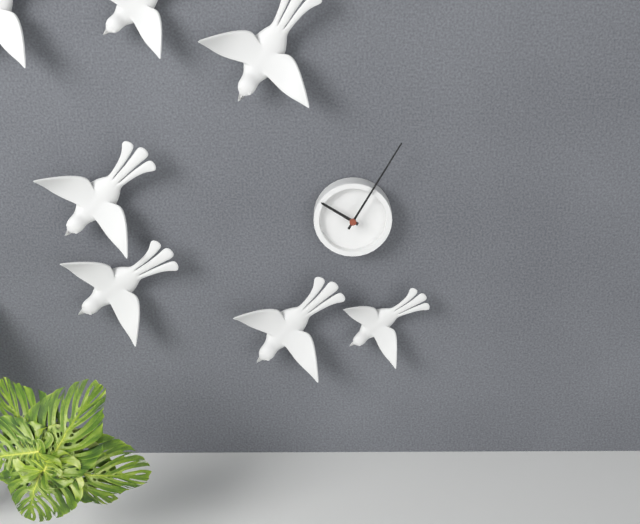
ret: {"hour": 10, "minute": 5}
